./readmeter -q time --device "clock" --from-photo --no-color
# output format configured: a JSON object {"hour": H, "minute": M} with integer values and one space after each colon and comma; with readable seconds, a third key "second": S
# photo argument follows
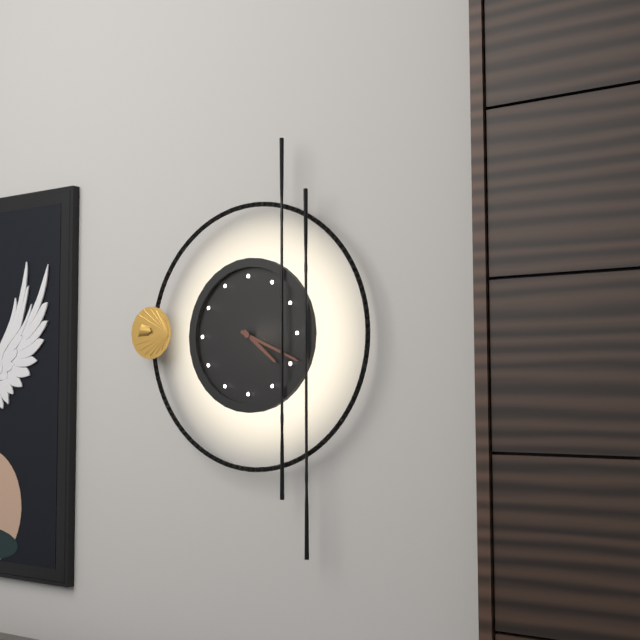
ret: {"hour": 4, "minute": 19}
